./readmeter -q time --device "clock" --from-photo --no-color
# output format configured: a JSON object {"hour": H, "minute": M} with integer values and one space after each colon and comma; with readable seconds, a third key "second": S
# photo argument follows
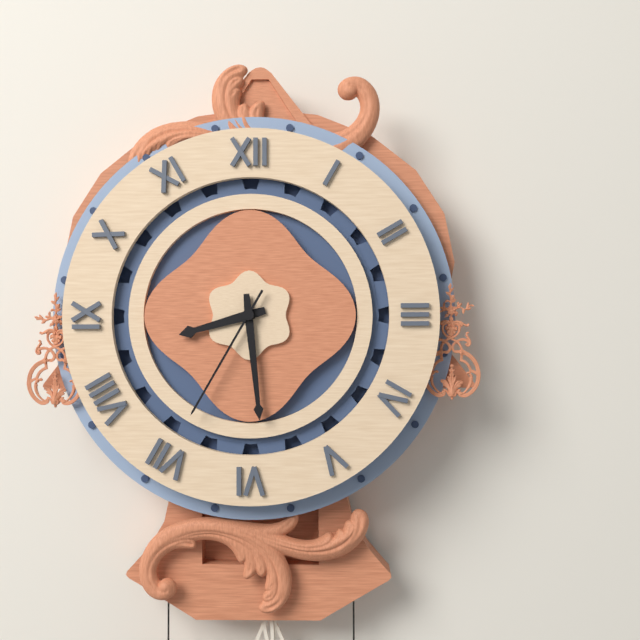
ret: {"hour": 8, "minute": 29, "second": 35}
